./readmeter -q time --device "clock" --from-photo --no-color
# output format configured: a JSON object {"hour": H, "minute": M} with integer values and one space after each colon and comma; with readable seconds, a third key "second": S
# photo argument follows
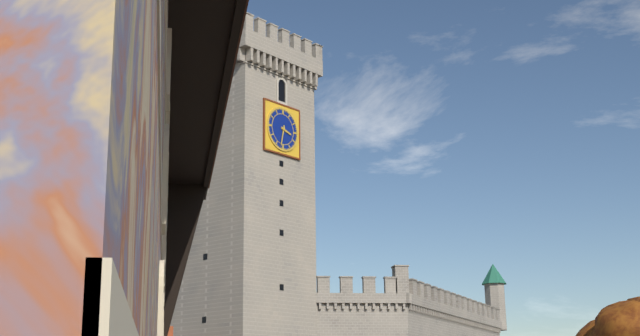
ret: {"hour": 3, "minute": 32}
